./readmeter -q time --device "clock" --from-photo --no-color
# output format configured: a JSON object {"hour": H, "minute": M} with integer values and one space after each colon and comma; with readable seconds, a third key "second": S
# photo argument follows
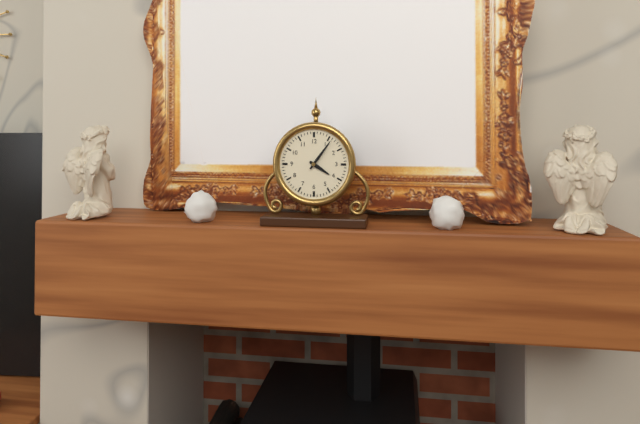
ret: {"hour": 4, "minute": 6}
